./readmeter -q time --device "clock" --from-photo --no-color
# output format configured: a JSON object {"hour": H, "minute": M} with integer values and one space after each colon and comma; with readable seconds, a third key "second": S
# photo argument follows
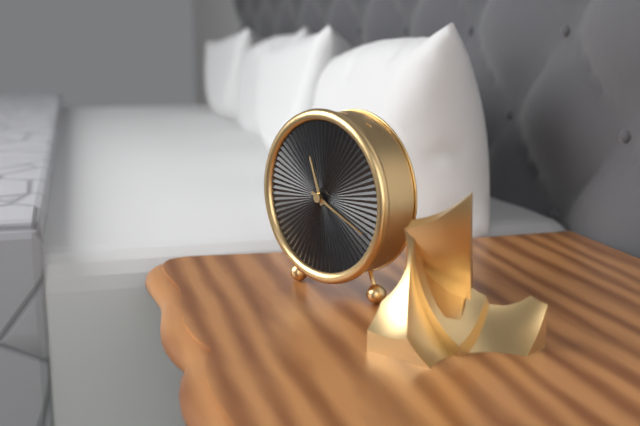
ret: {"hour": 11, "minute": 19}
